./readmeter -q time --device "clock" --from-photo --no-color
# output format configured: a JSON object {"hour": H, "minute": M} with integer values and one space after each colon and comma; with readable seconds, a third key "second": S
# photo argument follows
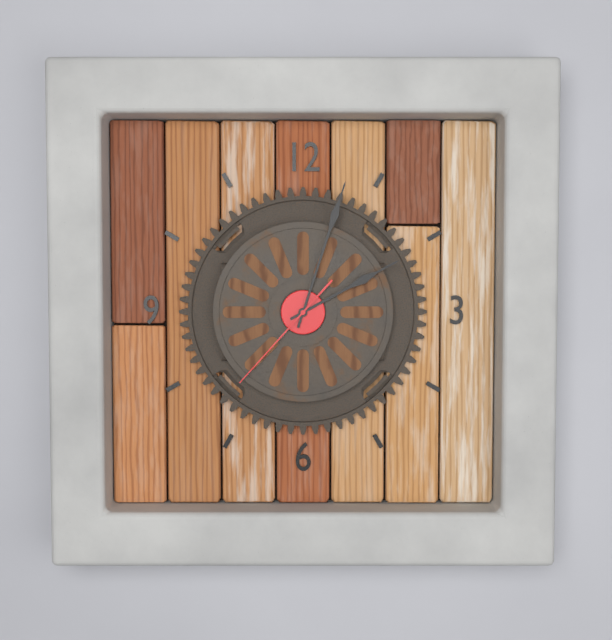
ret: {"hour": 2, "minute": 3, "second": 37}
